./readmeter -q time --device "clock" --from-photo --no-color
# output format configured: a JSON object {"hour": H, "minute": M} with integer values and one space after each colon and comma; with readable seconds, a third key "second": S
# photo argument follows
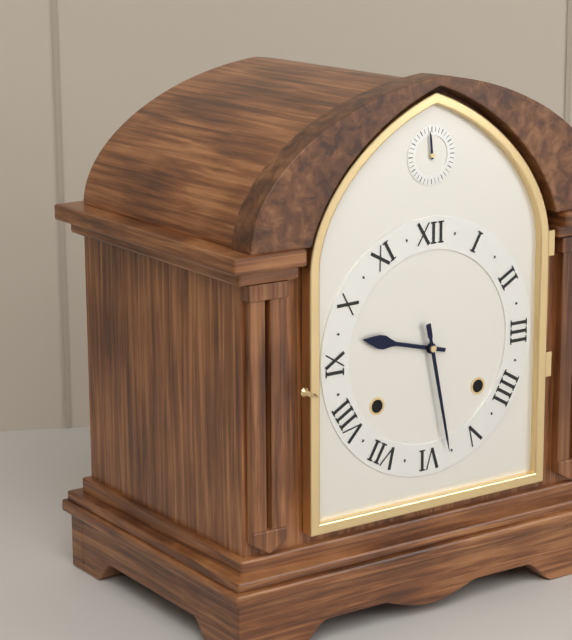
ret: {"hour": 9, "minute": 28}
